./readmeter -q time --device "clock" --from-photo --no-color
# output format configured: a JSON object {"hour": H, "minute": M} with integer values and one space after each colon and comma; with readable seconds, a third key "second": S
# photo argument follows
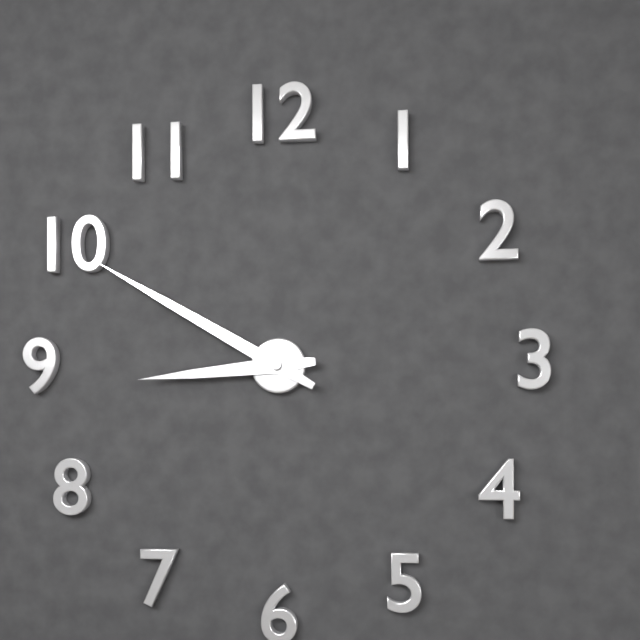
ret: {"hour": 8, "minute": 50}
